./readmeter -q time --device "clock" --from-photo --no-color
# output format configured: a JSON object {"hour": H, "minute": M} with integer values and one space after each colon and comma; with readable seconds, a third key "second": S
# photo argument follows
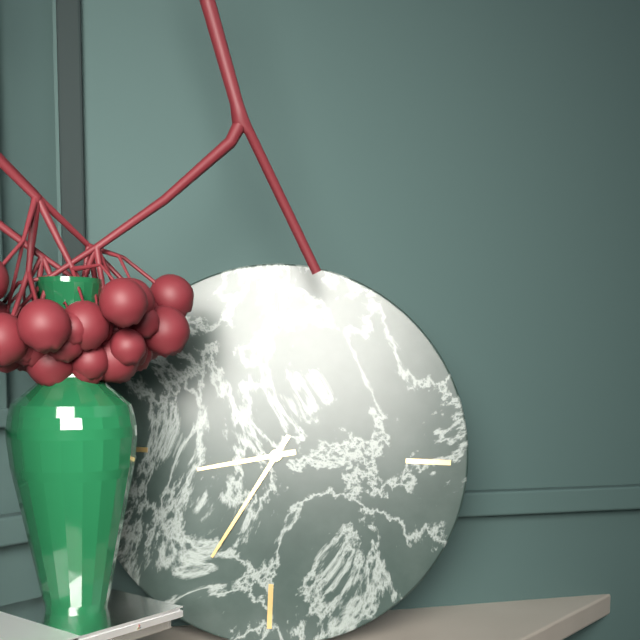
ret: {"hour": 8, "minute": 35}
